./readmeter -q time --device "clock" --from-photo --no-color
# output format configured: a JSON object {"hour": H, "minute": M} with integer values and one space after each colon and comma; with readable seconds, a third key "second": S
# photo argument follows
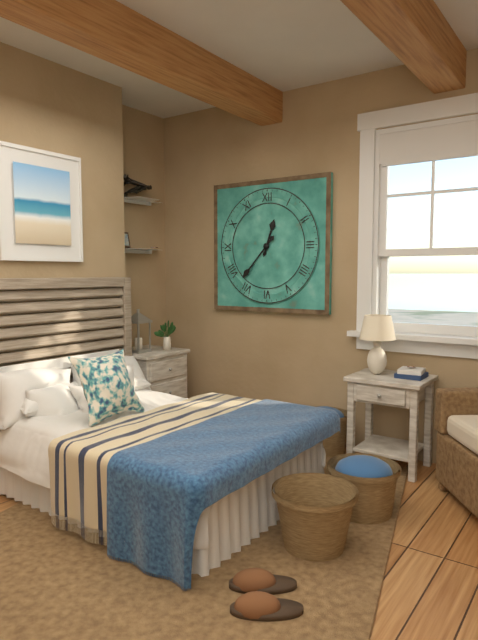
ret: {"hour": 12, "minute": 37}
